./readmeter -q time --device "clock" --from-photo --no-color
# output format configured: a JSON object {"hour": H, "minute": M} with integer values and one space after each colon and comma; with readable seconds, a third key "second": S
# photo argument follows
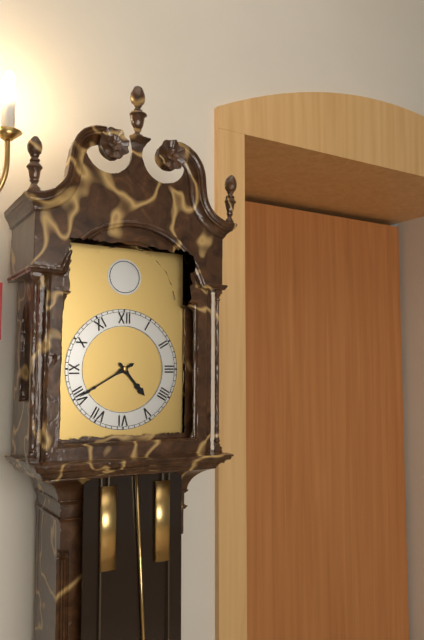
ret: {"hour": 4, "minute": 40}
